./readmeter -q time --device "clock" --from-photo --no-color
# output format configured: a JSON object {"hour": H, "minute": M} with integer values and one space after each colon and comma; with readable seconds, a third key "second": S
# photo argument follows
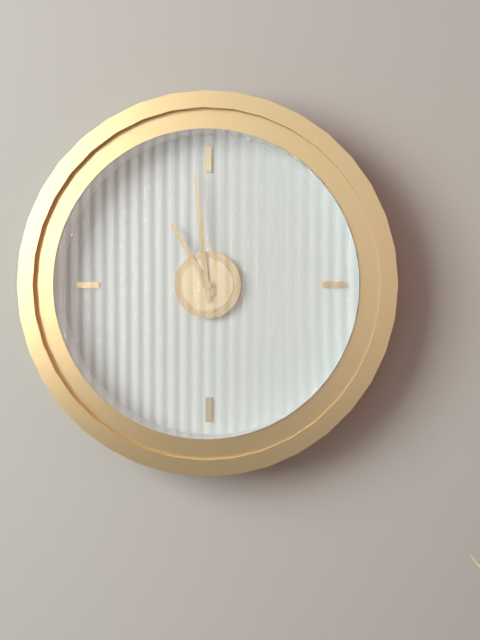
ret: {"hour": 10, "minute": 59}
